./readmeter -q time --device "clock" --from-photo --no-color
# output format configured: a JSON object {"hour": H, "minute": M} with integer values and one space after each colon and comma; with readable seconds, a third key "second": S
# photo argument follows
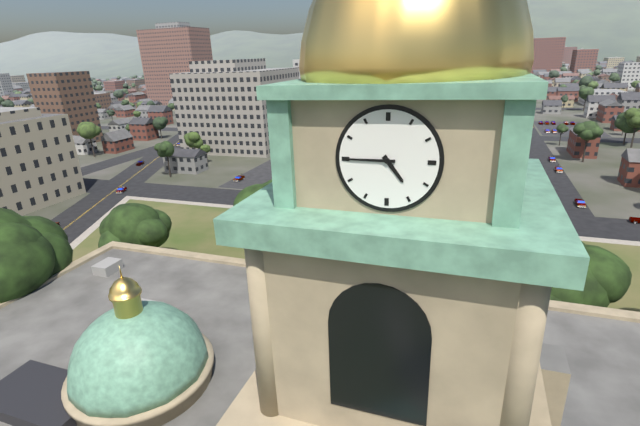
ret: {"hour": 4, "minute": 45}
